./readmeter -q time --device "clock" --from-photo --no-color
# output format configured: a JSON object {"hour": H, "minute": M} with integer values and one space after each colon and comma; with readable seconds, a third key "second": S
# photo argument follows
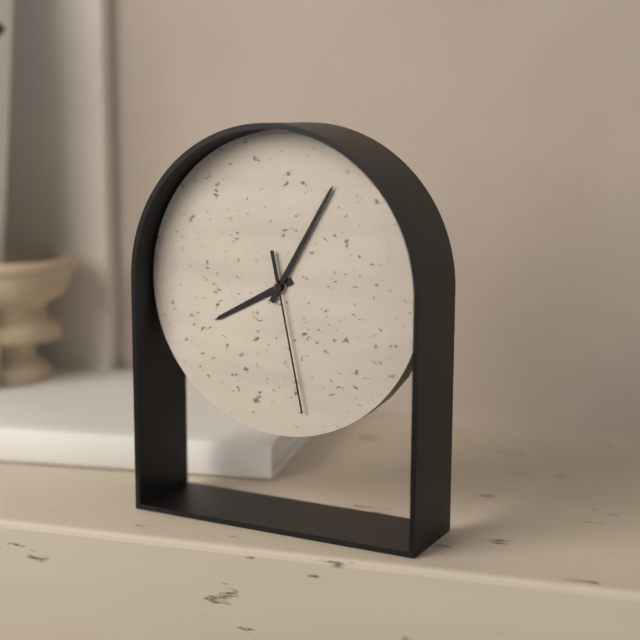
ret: {"hour": 8, "minute": 5, "second": 28}
